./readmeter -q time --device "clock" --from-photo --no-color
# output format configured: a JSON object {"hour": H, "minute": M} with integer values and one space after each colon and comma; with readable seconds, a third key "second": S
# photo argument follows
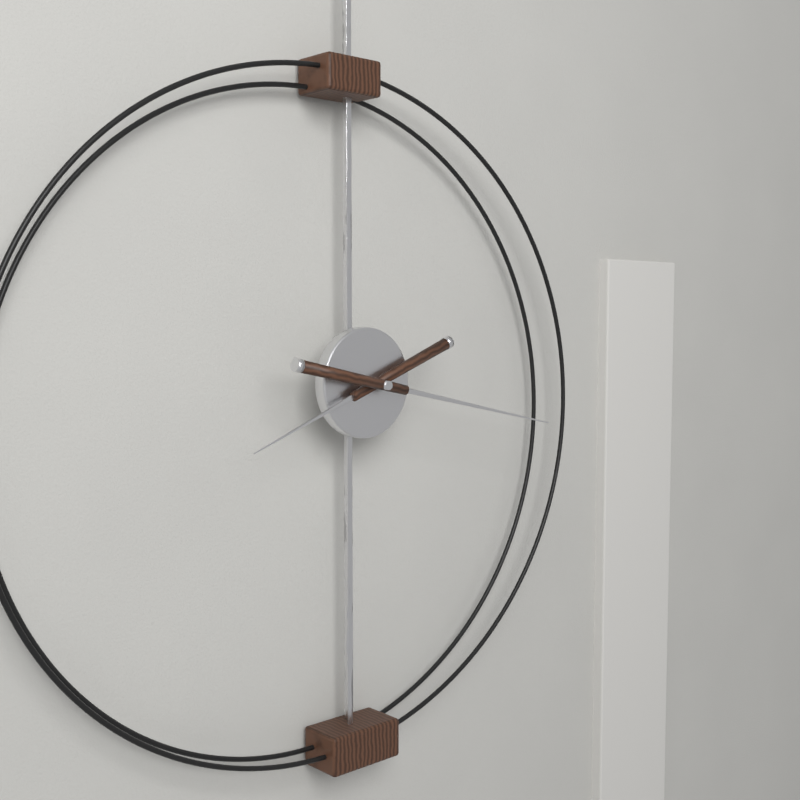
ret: {"hour": 8, "minute": 17}
